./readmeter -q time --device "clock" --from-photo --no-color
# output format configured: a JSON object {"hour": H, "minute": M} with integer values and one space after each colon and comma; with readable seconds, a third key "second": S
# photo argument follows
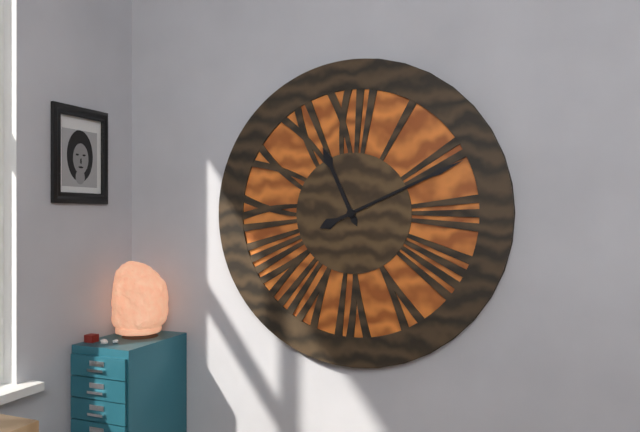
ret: {"hour": 11, "minute": 11}
